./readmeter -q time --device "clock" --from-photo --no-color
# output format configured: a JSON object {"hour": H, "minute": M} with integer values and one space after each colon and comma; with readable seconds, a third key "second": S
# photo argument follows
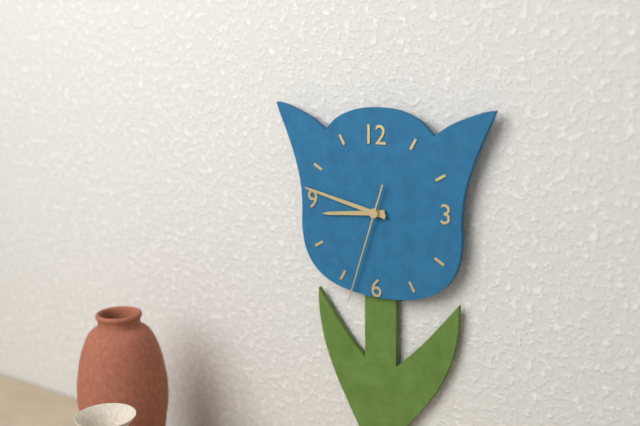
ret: {"hour": 8, "minute": 47, "second": 33}
